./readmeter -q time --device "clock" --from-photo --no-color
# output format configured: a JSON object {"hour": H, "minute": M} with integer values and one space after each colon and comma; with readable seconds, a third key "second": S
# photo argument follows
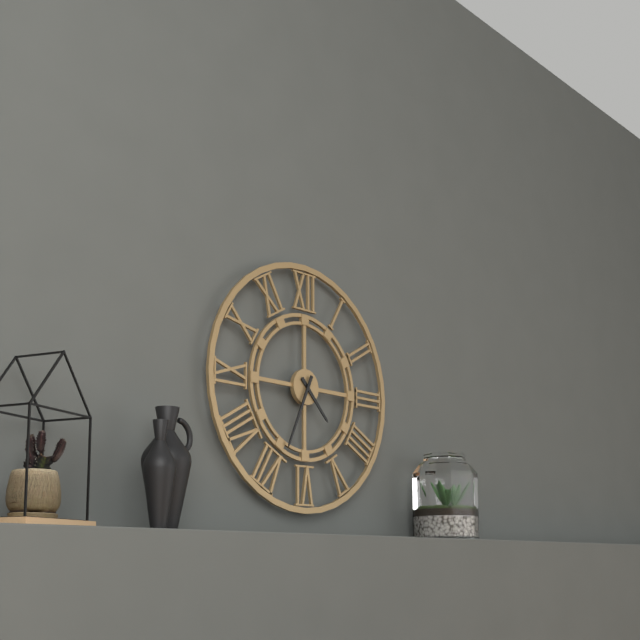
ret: {"hour": 4, "minute": 34}
